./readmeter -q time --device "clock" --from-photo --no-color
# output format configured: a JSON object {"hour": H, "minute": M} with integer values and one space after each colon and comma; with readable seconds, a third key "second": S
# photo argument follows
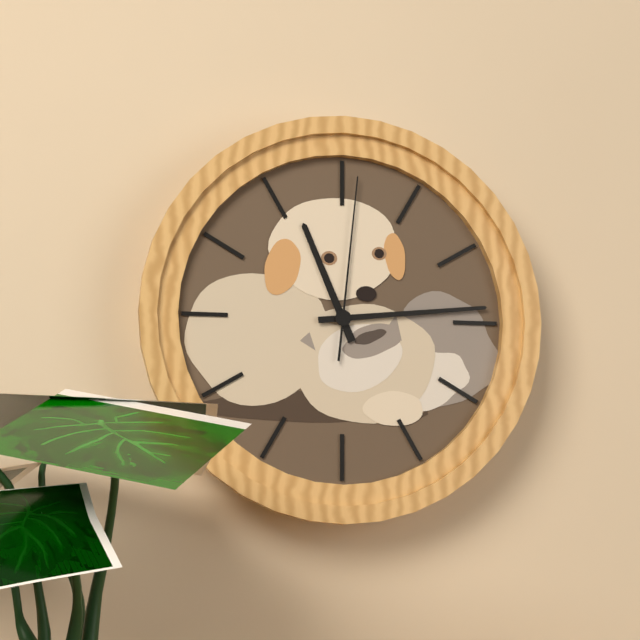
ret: {"hour": 11, "minute": 14, "second": 1}
